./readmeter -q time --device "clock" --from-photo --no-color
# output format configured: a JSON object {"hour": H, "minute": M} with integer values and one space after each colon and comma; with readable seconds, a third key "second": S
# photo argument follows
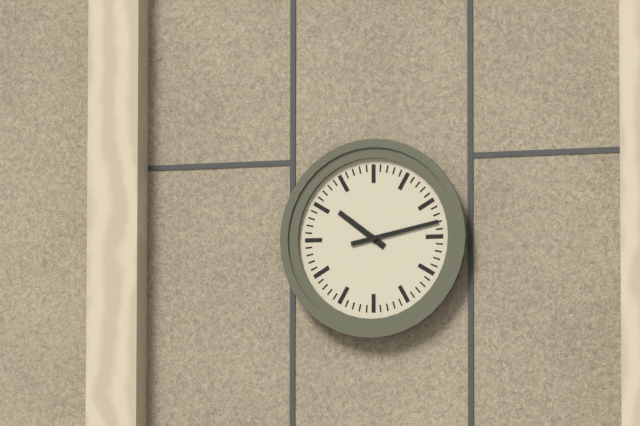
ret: {"hour": 10, "minute": 13}
